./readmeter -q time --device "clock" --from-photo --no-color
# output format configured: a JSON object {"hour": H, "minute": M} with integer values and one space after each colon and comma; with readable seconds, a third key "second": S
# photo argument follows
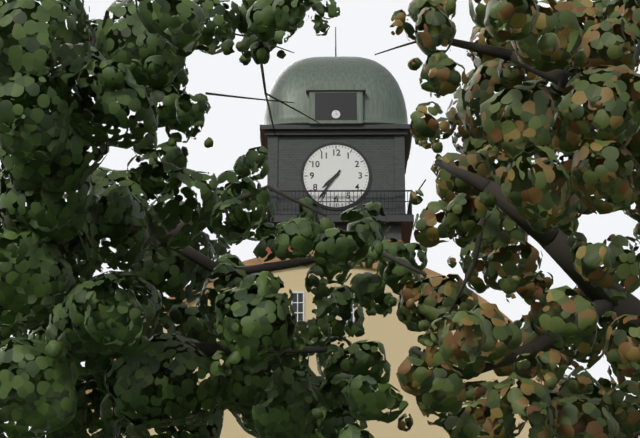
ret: {"hour": 7, "minute": 36}
